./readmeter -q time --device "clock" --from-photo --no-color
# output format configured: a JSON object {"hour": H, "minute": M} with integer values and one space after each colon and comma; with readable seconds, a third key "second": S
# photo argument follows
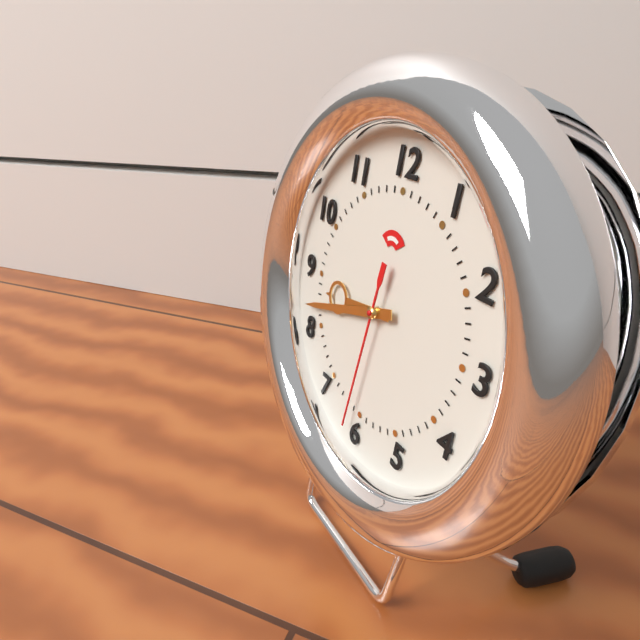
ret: {"hour": 8, "minute": 42, "second": 31}
